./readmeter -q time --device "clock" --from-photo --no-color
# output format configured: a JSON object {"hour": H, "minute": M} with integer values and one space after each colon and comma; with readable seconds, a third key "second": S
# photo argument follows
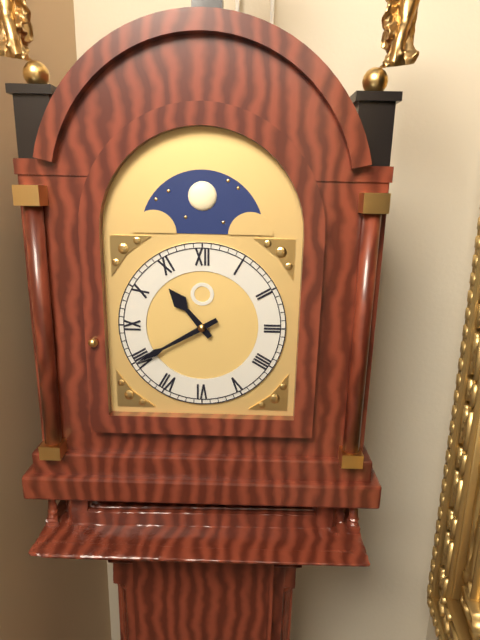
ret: {"hour": 10, "minute": 40}
